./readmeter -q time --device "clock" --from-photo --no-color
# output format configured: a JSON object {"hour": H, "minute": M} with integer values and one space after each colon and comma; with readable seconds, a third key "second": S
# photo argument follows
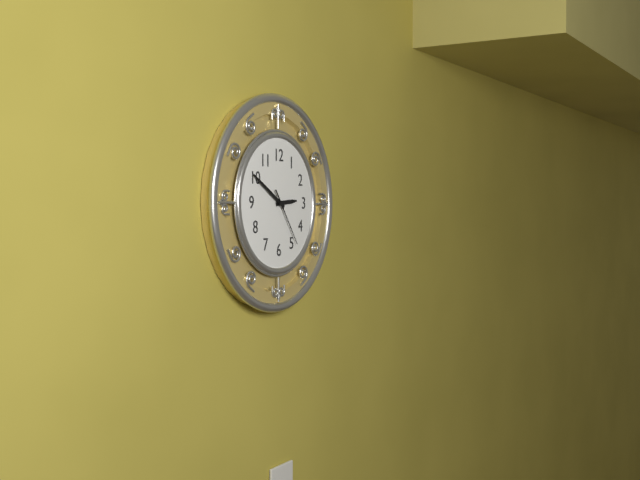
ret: {"hour": 2, "minute": 50, "second": 24}
